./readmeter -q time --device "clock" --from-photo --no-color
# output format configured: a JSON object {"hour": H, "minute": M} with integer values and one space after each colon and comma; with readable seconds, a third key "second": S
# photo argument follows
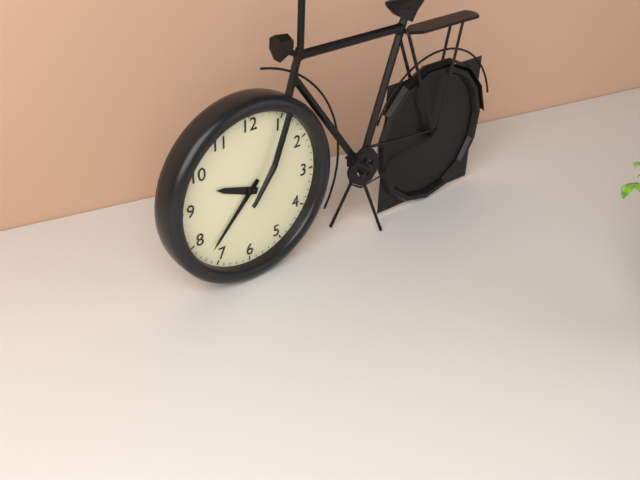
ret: {"hour": 9, "minute": 37}
